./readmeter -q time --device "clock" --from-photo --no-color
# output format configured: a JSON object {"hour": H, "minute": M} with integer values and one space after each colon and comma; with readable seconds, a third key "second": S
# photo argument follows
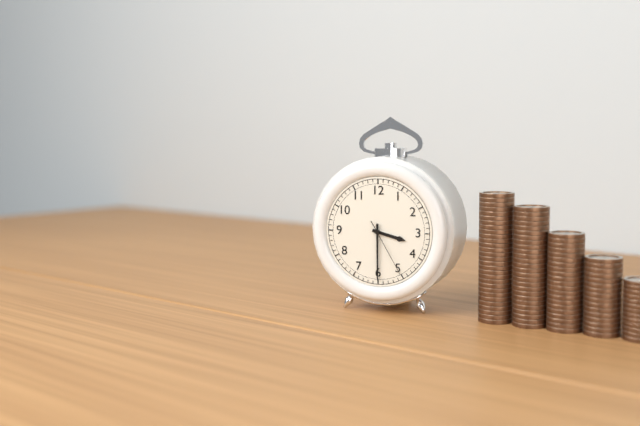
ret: {"hour": 3, "minute": 30, "second": 25}
